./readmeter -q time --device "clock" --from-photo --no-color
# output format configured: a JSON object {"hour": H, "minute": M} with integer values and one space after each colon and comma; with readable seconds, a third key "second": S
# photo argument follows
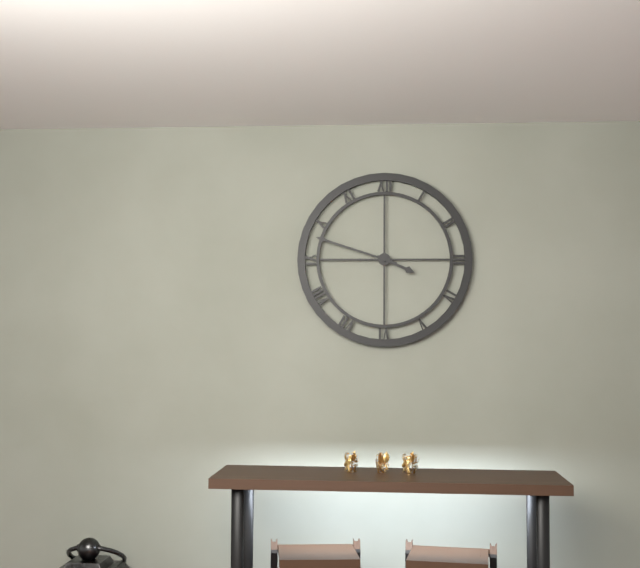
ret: {"hour": 3, "minute": 48}
